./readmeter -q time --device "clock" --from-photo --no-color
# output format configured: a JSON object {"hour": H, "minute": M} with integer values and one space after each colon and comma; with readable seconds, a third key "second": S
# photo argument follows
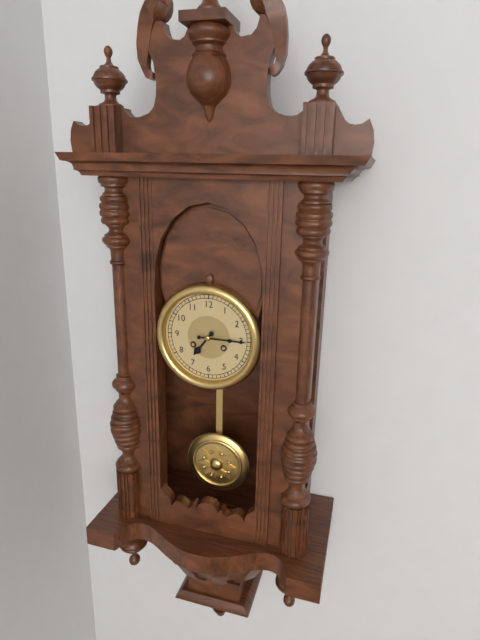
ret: {"hour": 7, "minute": 15}
